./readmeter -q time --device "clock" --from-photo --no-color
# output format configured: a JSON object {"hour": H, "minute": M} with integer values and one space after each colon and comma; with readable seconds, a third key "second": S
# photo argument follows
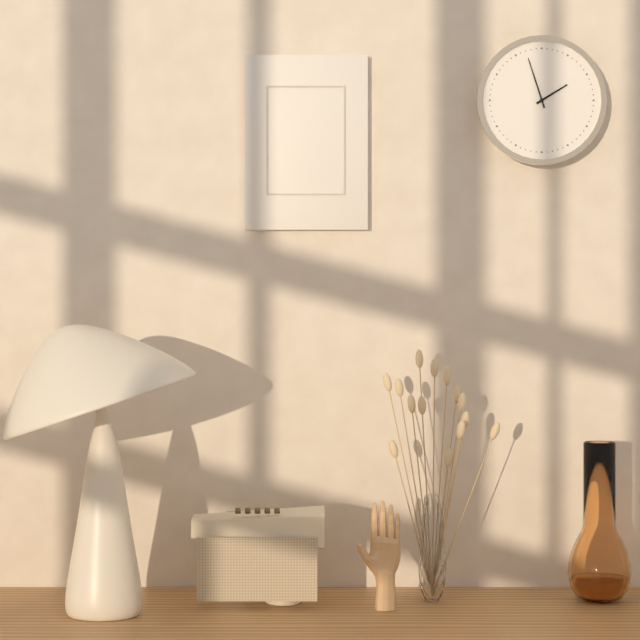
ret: {"hour": 1, "minute": 57}
